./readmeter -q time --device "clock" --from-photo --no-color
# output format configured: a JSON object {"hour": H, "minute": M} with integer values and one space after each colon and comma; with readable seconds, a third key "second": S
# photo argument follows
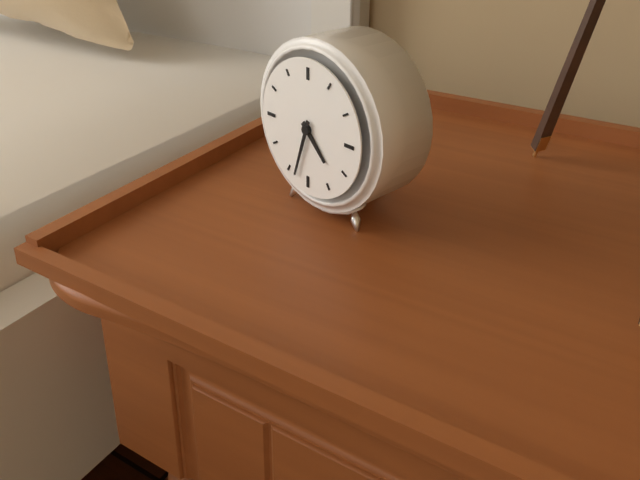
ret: {"hour": 4, "minute": 33}
